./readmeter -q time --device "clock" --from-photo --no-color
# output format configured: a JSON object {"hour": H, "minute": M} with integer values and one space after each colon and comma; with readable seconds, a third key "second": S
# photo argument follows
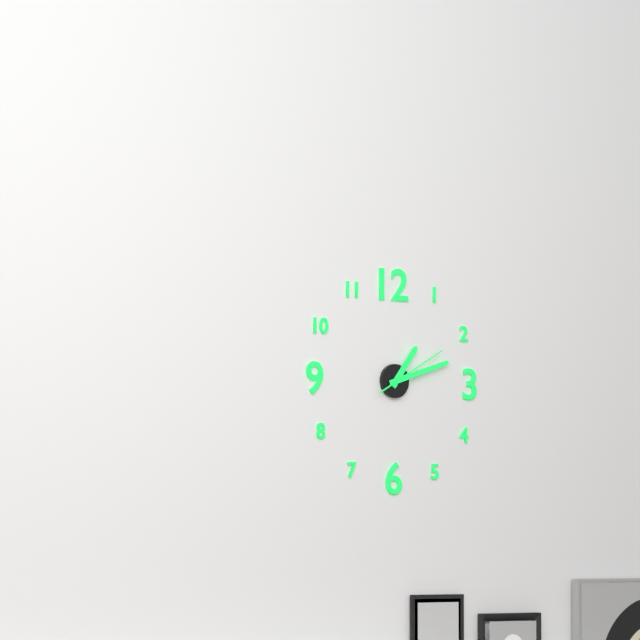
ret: {"hour": 1, "minute": 12, "second": 10}
